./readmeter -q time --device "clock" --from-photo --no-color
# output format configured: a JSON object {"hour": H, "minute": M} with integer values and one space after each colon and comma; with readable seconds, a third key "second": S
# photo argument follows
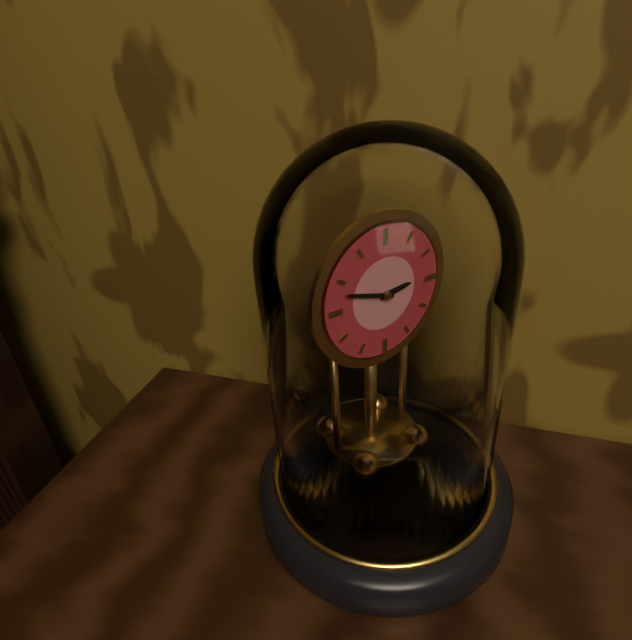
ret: {"hour": 2, "minute": 48}
